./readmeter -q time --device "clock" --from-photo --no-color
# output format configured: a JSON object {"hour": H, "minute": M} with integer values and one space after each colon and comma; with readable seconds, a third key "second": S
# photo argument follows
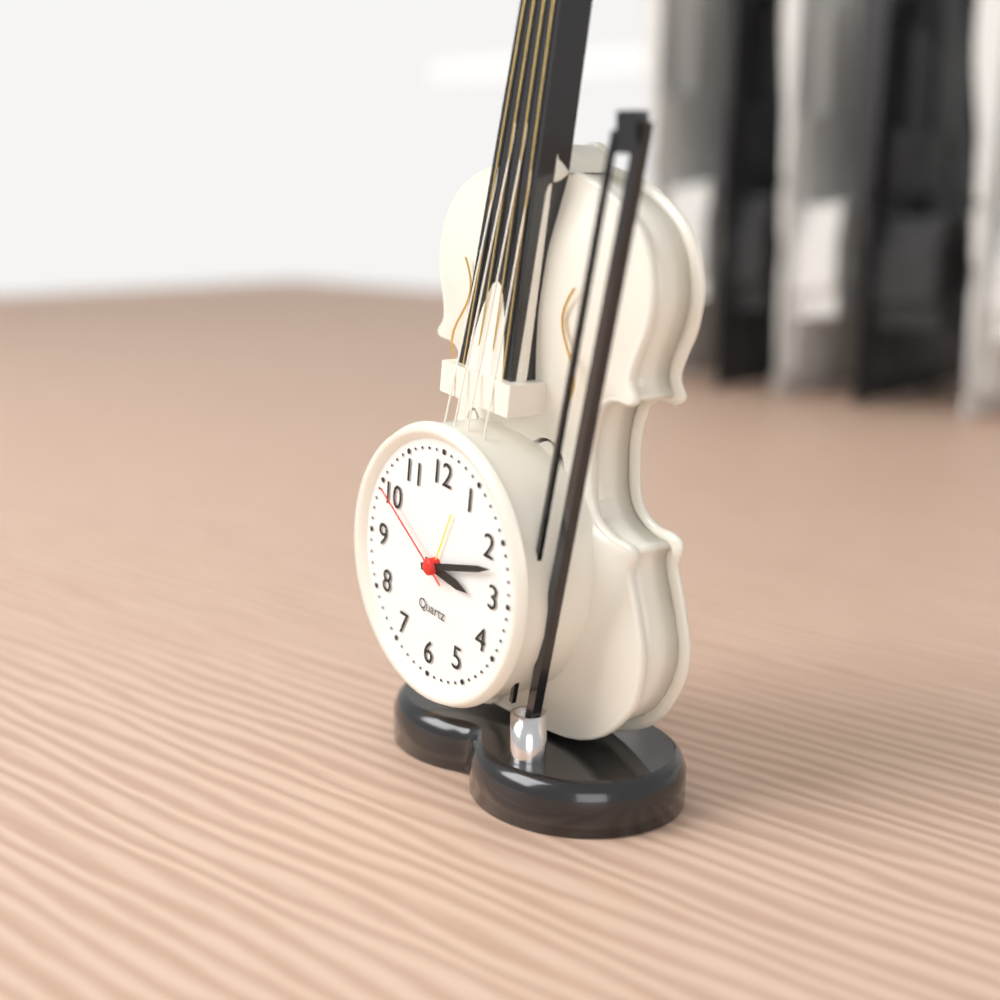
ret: {"hour": 3, "minute": 12, "second": 50}
